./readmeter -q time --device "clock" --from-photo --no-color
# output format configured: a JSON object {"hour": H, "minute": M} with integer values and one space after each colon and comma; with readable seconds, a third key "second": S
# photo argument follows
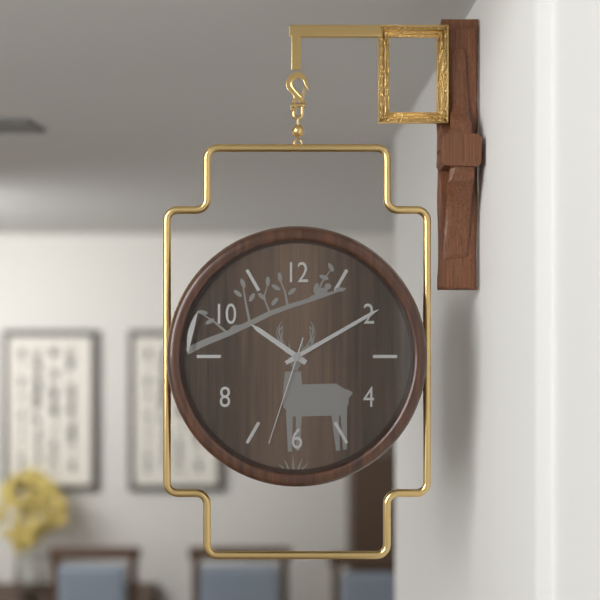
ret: {"hour": 10, "minute": 10, "second": 33}
